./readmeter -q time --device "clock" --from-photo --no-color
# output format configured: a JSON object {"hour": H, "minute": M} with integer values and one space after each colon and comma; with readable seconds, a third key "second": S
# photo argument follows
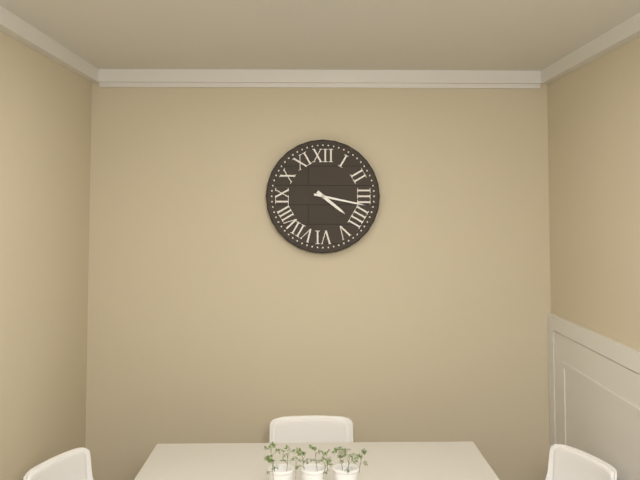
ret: {"hour": 4, "minute": 17}
